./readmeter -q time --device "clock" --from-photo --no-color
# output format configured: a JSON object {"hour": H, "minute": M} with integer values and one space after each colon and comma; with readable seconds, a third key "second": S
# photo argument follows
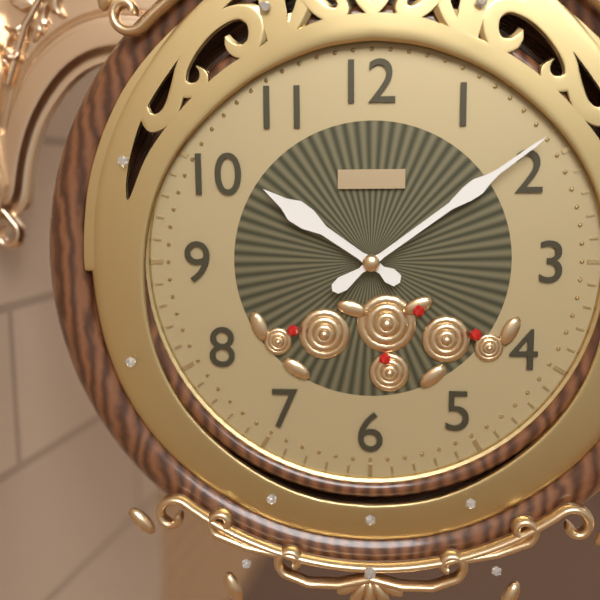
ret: {"hour": 10, "minute": 9}
